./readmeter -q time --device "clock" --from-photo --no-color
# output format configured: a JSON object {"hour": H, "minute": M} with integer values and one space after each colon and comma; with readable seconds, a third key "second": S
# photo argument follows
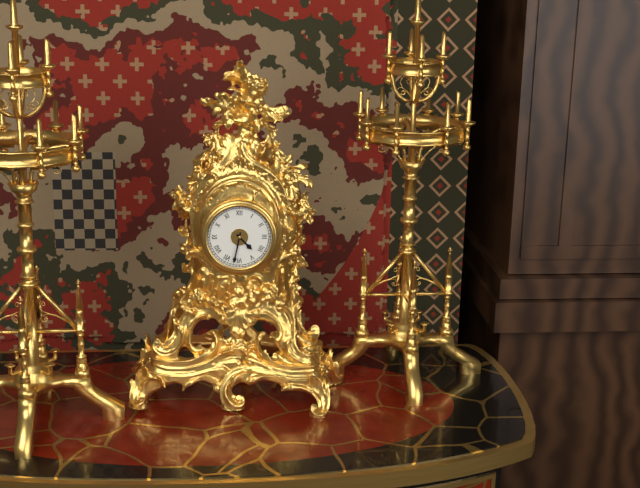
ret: {"hour": 4, "minute": 32}
